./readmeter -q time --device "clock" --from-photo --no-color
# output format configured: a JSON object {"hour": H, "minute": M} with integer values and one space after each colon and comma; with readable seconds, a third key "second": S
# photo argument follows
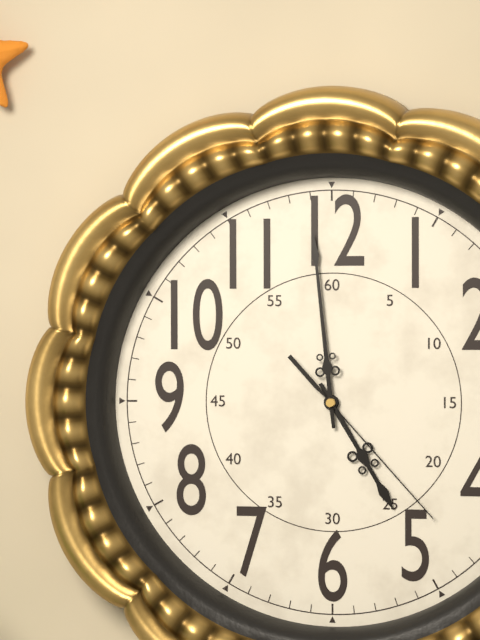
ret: {"hour": 4, "minute": 59, "second": 23}
